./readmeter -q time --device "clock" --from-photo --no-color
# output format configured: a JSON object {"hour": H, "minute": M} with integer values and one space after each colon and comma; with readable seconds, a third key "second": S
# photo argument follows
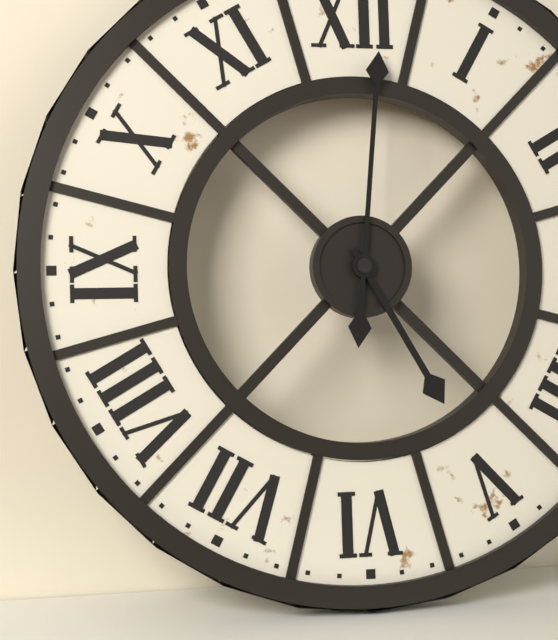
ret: {"hour": 5, "minute": 1}
